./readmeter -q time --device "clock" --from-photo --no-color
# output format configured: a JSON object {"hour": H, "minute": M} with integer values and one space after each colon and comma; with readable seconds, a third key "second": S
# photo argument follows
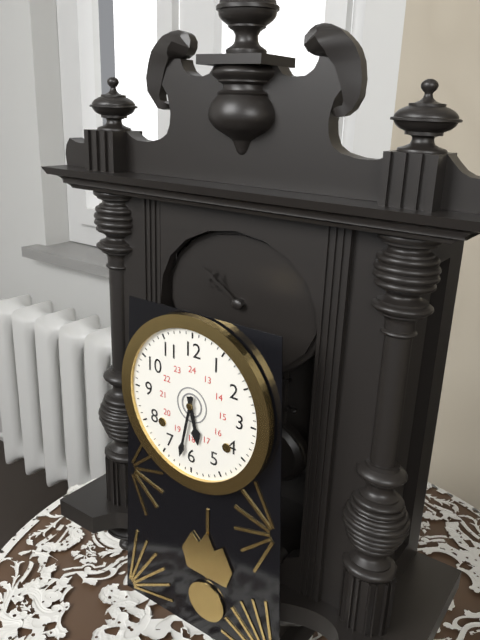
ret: {"hour": 5, "minute": 32}
